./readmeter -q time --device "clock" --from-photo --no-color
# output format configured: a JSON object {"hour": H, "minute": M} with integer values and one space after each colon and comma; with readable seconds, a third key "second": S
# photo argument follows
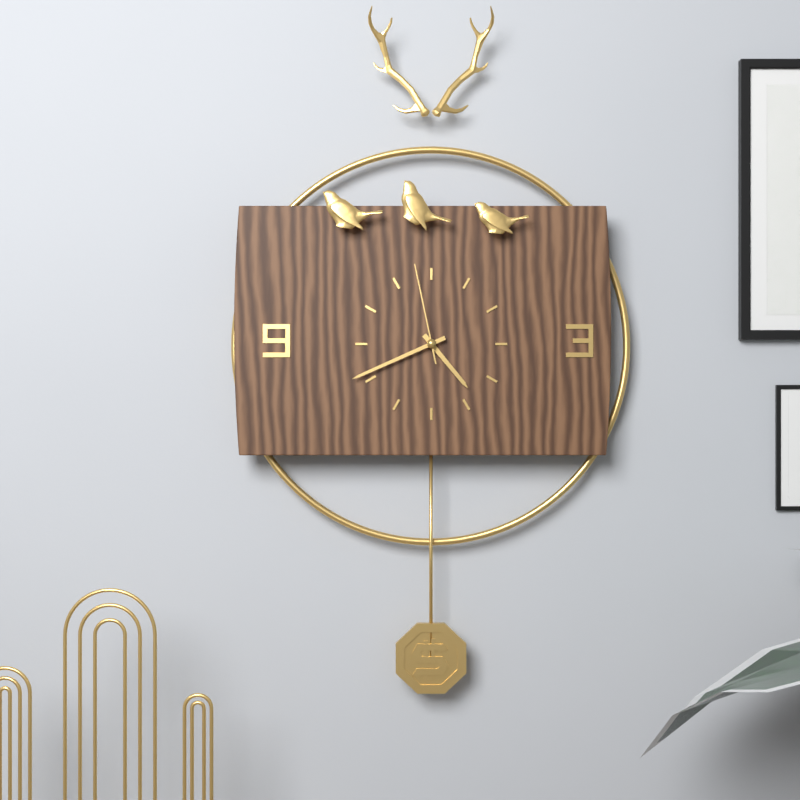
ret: {"hour": 4, "minute": 41, "second": 58}
